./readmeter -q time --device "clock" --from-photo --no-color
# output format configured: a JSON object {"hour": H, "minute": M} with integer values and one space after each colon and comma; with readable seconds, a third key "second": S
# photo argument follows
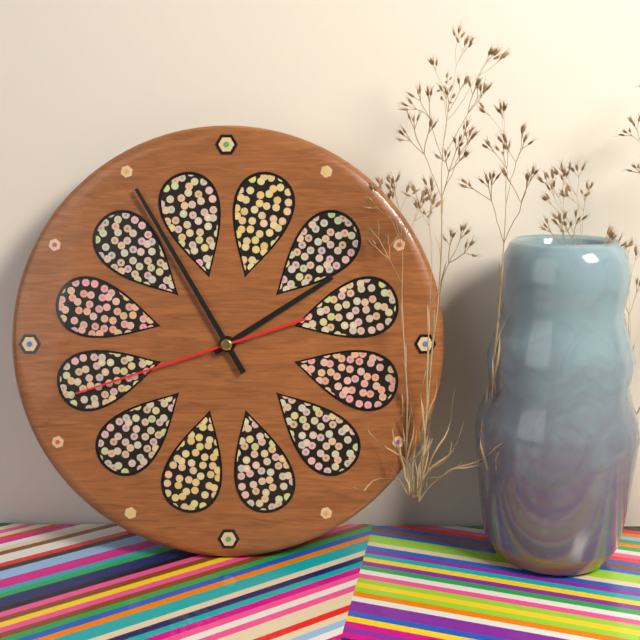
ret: {"hour": 1, "minute": 55, "second": 42}
